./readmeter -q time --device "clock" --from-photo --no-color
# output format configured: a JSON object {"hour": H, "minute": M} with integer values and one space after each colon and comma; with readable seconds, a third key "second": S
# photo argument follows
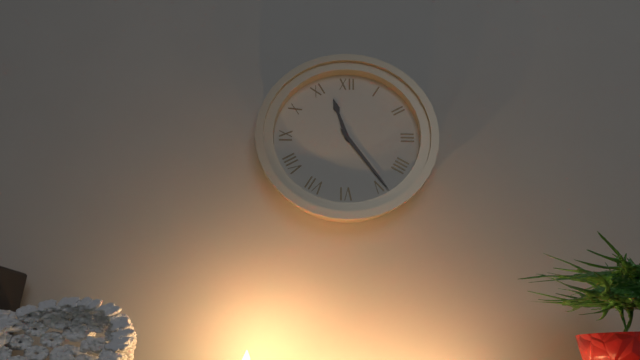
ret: {"hour": 11, "minute": 24}
